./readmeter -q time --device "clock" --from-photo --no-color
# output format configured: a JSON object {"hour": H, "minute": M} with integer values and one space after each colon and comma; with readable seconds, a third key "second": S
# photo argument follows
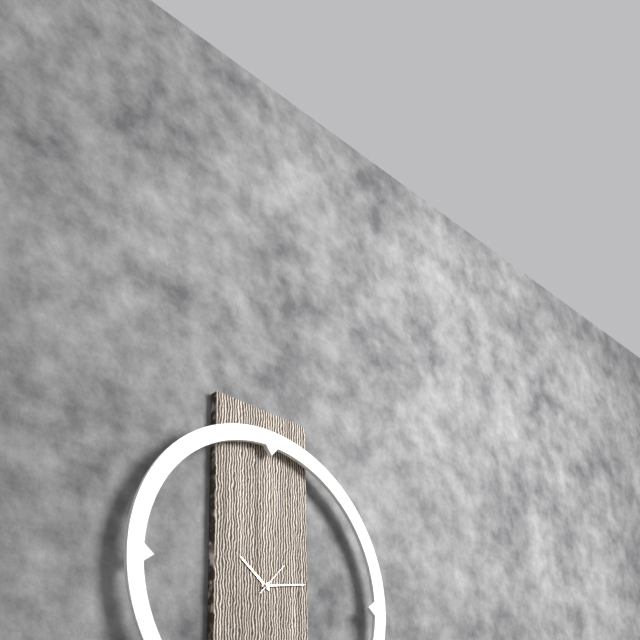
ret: {"hour": 10, "minute": 13}
